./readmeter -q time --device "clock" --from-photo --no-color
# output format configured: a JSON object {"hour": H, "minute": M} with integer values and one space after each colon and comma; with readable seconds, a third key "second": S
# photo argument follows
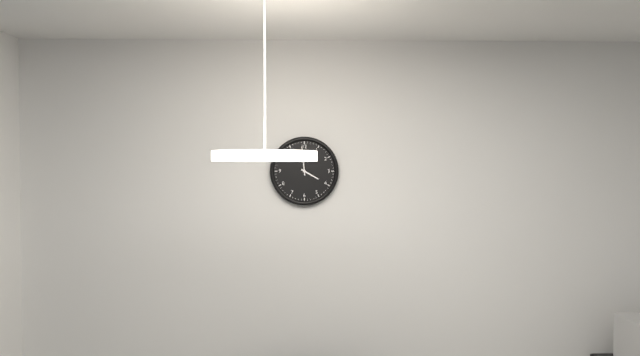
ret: {"hour": 3, "minute": 59}
